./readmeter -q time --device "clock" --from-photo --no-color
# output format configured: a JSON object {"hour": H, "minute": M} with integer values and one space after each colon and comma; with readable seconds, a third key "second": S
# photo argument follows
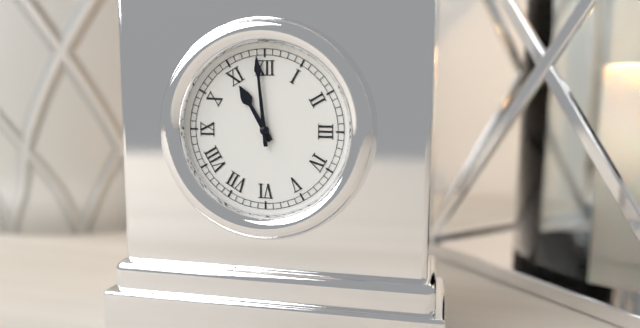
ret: {"hour": 10, "minute": 59}
